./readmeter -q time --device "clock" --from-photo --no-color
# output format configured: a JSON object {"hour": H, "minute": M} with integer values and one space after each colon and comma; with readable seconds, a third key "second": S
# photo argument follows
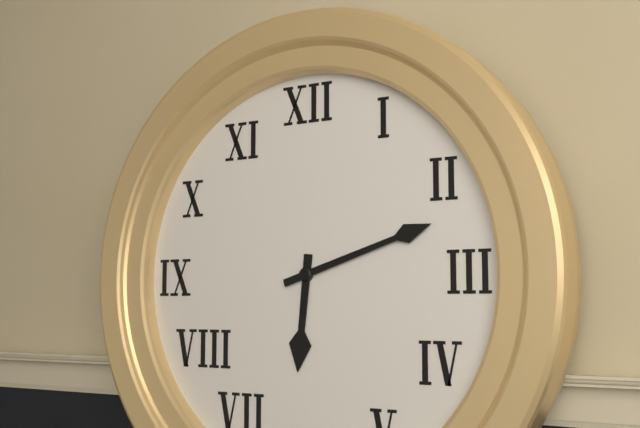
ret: {"hour": 6, "minute": 12}
